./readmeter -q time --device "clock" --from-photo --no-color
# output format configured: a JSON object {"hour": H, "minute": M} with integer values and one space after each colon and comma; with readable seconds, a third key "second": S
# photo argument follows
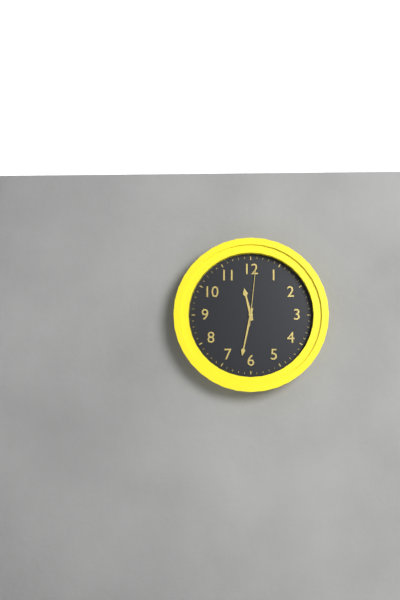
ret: {"hour": 11, "minute": 32, "second": 1}
